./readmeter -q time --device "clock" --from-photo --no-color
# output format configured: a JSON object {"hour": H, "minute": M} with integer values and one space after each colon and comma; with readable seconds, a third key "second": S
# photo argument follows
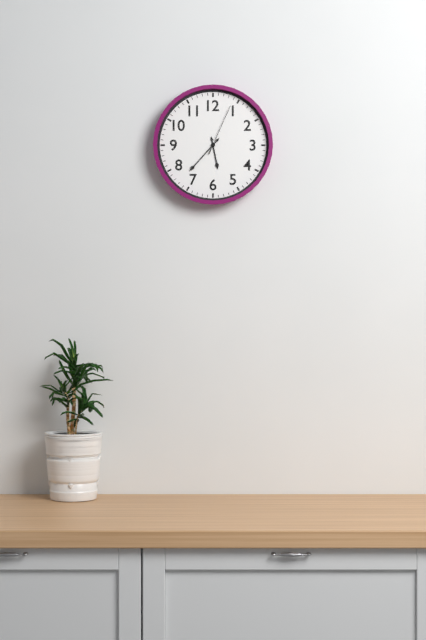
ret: {"hour": 5, "minute": 37, "second": 4}
